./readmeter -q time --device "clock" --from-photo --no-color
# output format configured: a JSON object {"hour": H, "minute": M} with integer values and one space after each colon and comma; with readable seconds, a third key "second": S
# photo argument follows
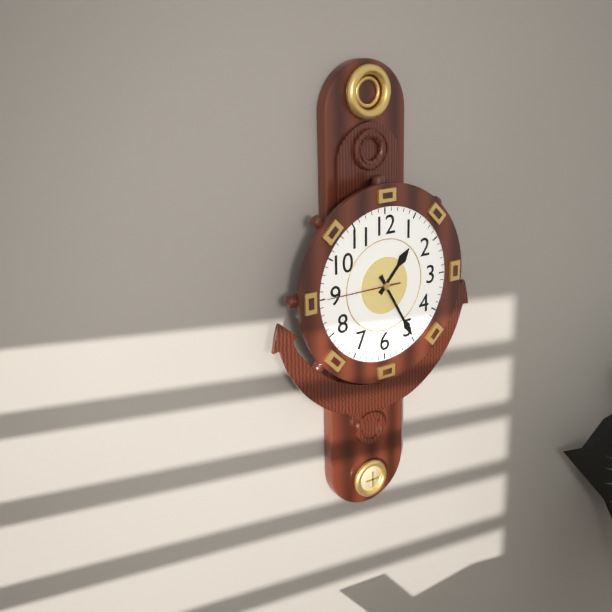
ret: {"hour": 1, "minute": 25, "second": 45}
